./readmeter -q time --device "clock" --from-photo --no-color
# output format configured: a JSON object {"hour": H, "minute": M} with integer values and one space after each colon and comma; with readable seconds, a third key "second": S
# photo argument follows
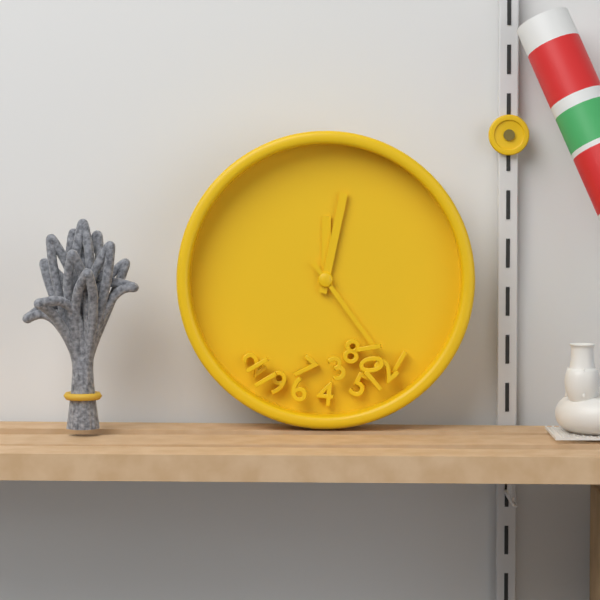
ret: {"hour": 12, "minute": 2, "second": 24}
